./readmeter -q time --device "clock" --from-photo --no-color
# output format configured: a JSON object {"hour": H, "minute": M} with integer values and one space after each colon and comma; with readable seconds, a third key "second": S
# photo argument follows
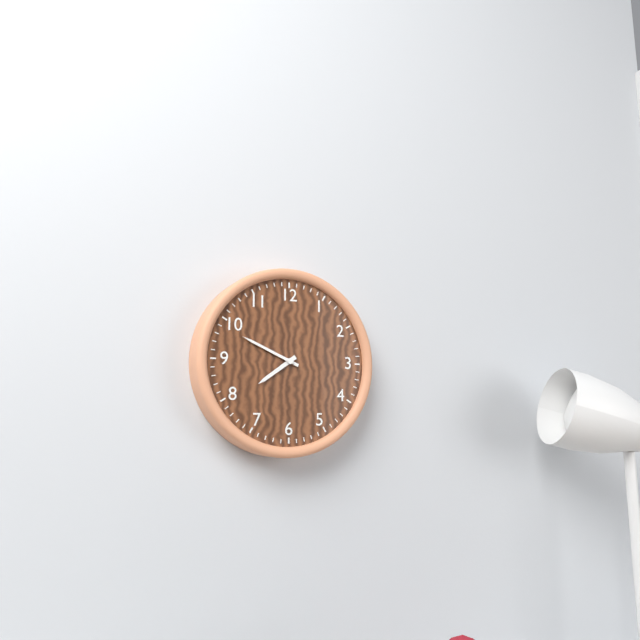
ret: {"hour": 7, "minute": 49}
